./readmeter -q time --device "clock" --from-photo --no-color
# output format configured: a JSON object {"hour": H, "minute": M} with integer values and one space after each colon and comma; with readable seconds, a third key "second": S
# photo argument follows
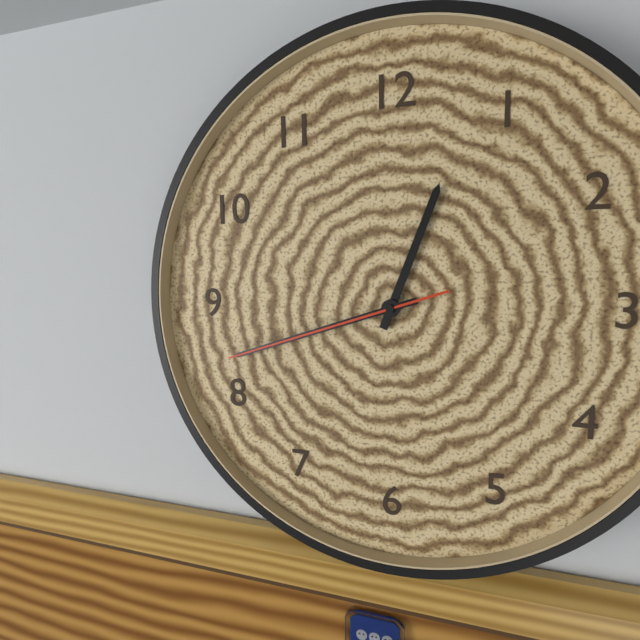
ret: {"hour": 12, "minute": 42, "second": 42}
